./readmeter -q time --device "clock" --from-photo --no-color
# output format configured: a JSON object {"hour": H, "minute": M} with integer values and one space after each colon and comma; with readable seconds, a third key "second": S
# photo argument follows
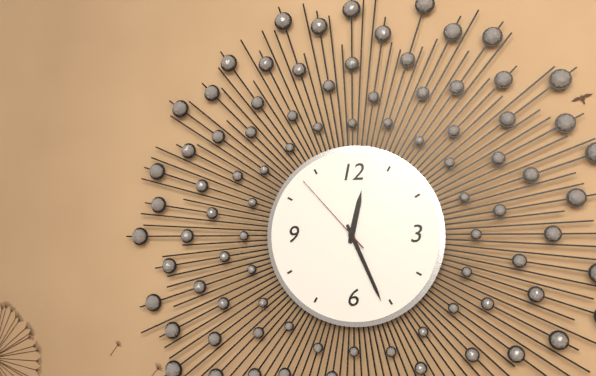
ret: {"hour": 12, "minute": 26, "second": 53}
